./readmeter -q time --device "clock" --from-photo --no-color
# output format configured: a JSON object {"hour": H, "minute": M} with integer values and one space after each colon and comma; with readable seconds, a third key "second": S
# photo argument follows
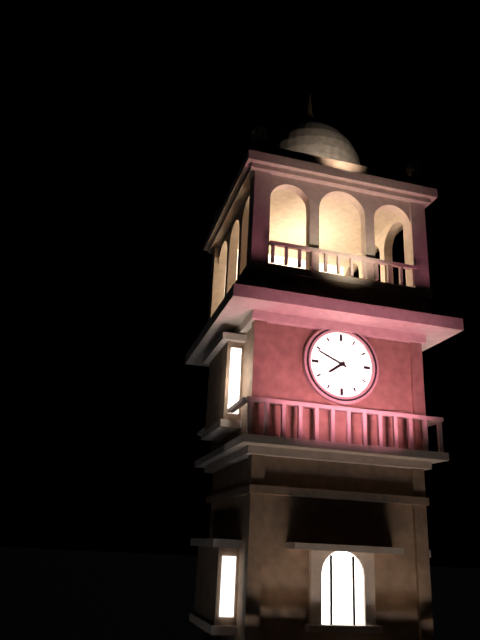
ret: {"hour": 7, "minute": 49}
